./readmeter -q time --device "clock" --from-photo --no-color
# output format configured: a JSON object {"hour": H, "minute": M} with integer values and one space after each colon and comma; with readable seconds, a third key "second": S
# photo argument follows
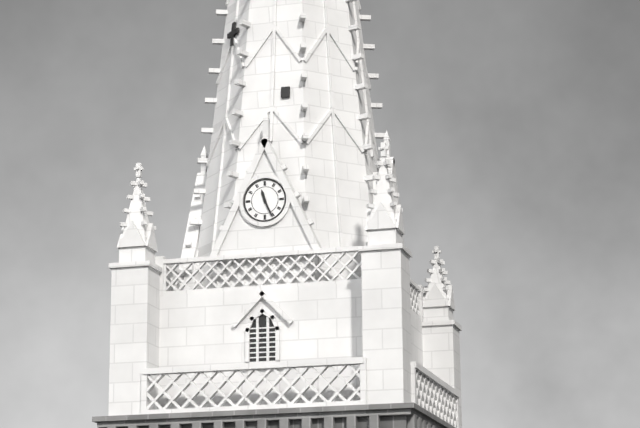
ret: {"hour": 11, "minute": 26}
